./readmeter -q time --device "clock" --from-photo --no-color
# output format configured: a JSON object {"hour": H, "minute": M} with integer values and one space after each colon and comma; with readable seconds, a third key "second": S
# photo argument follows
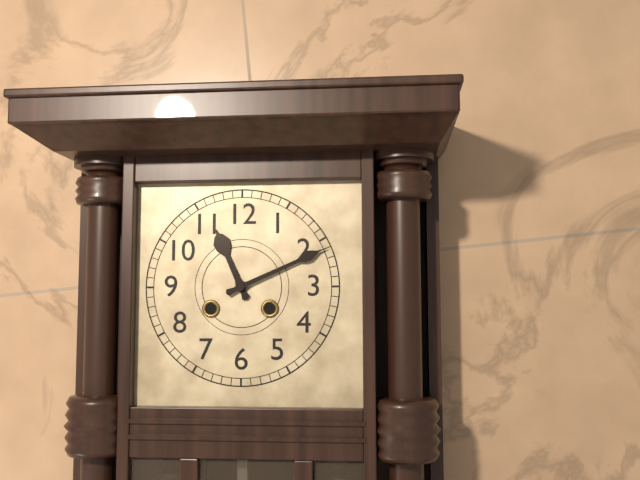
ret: {"hour": 11, "minute": 11}
